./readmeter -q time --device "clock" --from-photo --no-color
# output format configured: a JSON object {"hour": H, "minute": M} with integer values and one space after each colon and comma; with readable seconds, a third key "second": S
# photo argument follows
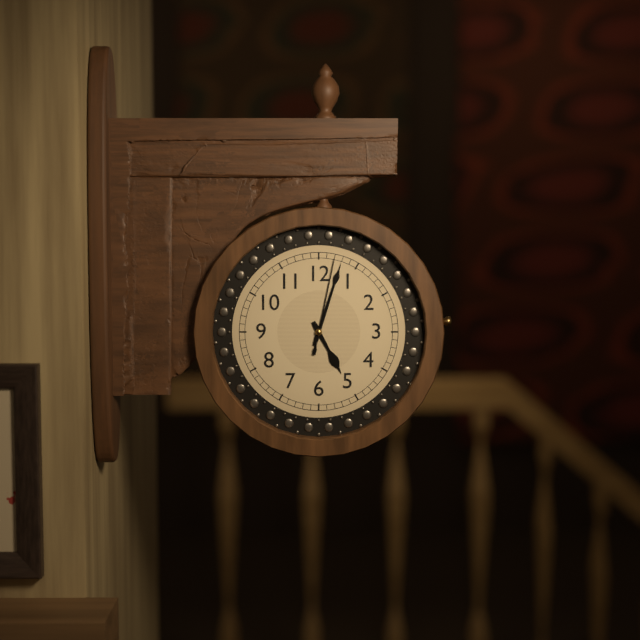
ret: {"hour": 5, "minute": 3, "second": 2}
